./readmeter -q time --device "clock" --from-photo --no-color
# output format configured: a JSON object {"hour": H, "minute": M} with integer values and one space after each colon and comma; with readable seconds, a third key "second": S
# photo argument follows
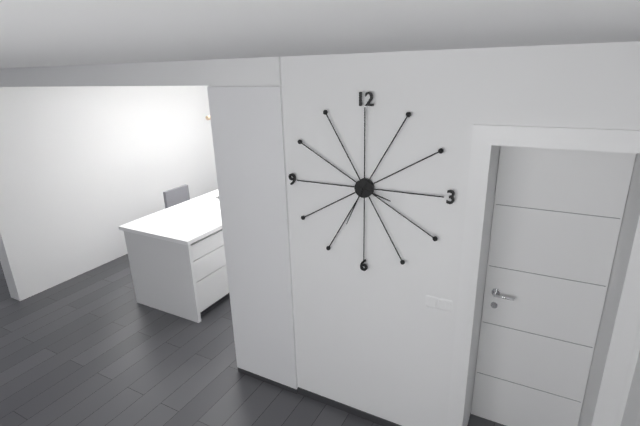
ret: {"hour": 3, "minute": 34}
